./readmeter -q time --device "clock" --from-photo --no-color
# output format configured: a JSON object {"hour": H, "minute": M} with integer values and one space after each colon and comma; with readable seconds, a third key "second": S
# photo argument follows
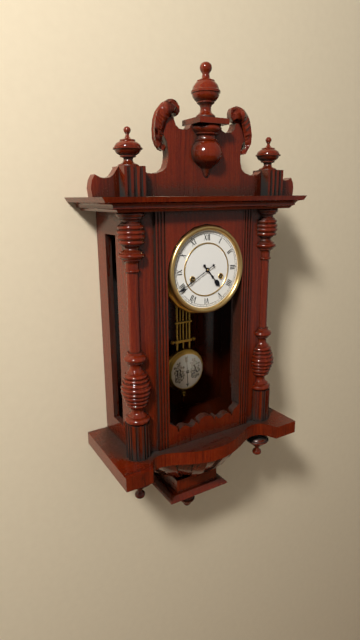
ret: {"hour": 4, "minute": 40}
